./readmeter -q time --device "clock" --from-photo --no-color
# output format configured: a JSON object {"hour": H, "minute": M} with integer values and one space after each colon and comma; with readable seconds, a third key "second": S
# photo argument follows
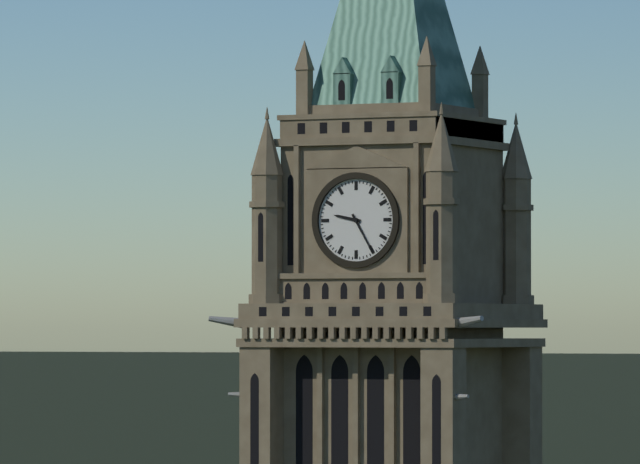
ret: {"hour": 9, "minute": 25}
